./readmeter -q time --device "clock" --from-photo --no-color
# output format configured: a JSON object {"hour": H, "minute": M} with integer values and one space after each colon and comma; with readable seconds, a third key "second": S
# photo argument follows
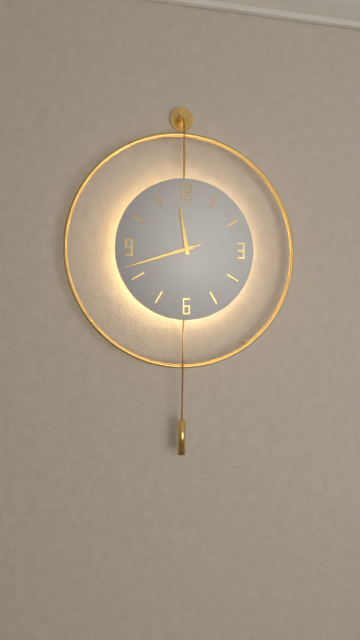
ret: {"hour": 11, "minute": 42, "second": 42}
